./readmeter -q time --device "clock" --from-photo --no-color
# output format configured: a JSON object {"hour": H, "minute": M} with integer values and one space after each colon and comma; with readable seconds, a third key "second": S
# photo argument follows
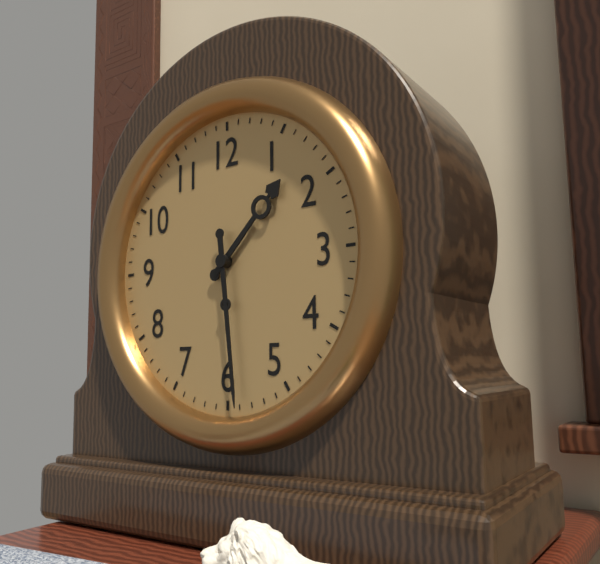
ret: {"hour": 1, "minute": 29}
